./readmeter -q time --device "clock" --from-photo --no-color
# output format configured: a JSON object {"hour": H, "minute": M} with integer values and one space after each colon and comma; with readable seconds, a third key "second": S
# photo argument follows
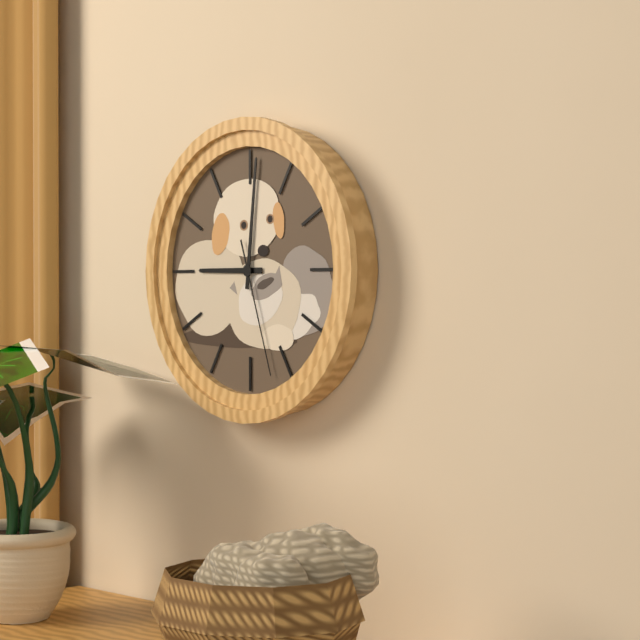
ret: {"hour": 9, "minute": 1, "second": 27}
